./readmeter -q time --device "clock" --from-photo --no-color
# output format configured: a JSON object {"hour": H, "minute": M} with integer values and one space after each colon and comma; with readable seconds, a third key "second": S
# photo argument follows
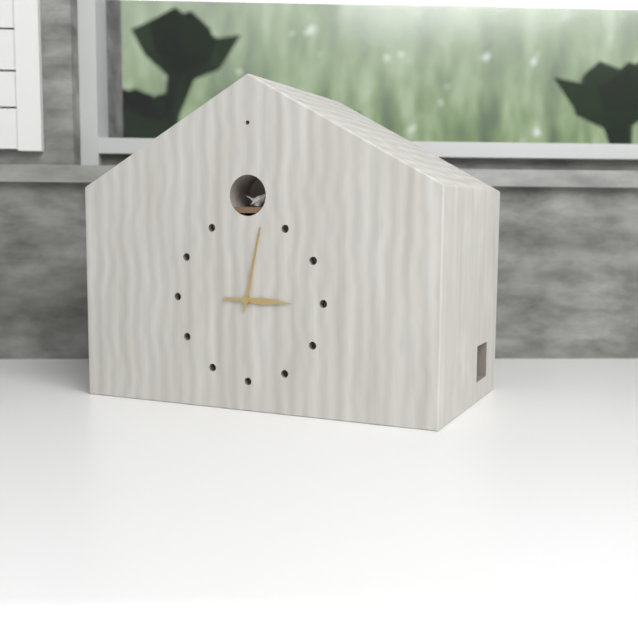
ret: {"hour": 3, "minute": 2}
